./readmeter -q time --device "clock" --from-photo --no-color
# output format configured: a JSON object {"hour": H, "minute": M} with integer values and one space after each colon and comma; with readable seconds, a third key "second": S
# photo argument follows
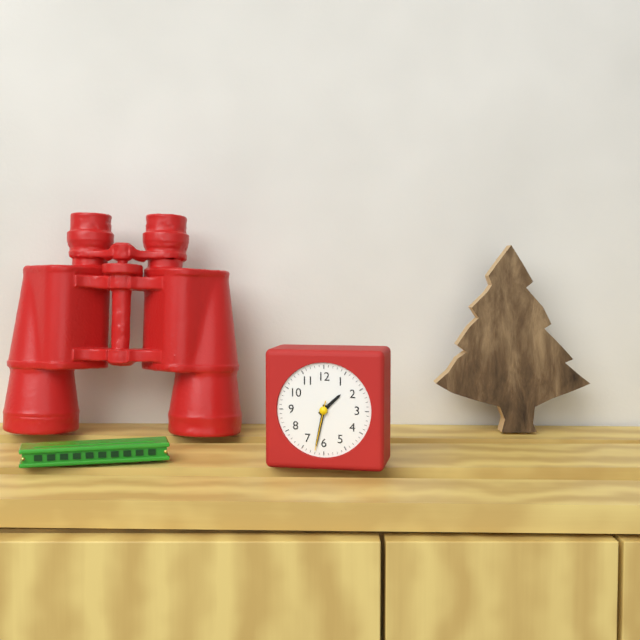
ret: {"hour": 1, "minute": 32, "second": 32}
